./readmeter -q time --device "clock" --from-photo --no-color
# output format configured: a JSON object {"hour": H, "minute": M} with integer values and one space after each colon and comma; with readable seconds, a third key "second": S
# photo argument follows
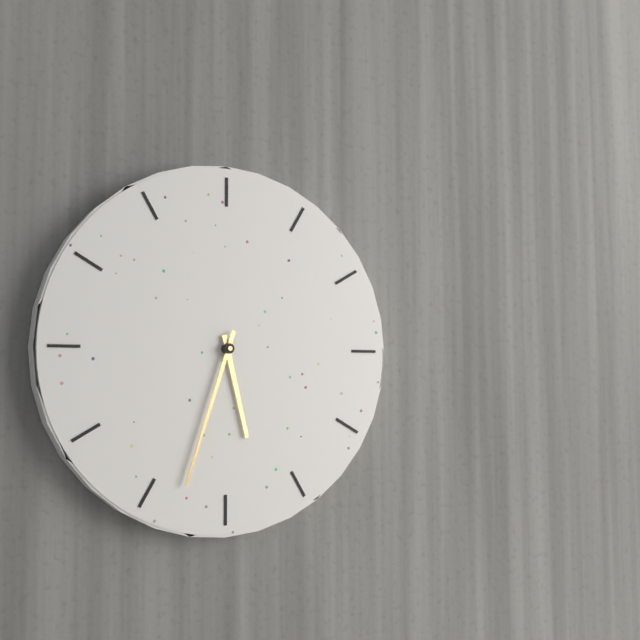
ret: {"hour": 5, "minute": 33}
